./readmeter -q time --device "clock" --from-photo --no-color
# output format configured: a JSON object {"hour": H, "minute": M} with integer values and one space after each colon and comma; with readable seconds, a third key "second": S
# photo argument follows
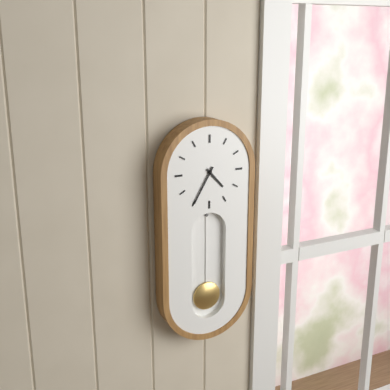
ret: {"hour": 4, "minute": 35}
